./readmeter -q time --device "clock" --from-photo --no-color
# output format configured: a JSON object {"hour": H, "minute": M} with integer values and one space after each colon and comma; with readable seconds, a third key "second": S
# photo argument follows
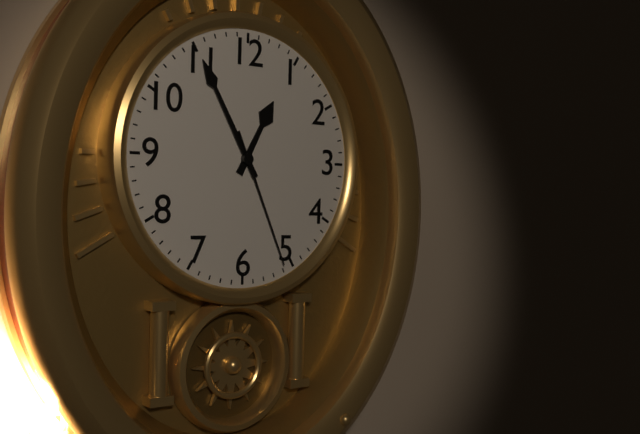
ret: {"hour": 12, "minute": 55, "second": 26}
